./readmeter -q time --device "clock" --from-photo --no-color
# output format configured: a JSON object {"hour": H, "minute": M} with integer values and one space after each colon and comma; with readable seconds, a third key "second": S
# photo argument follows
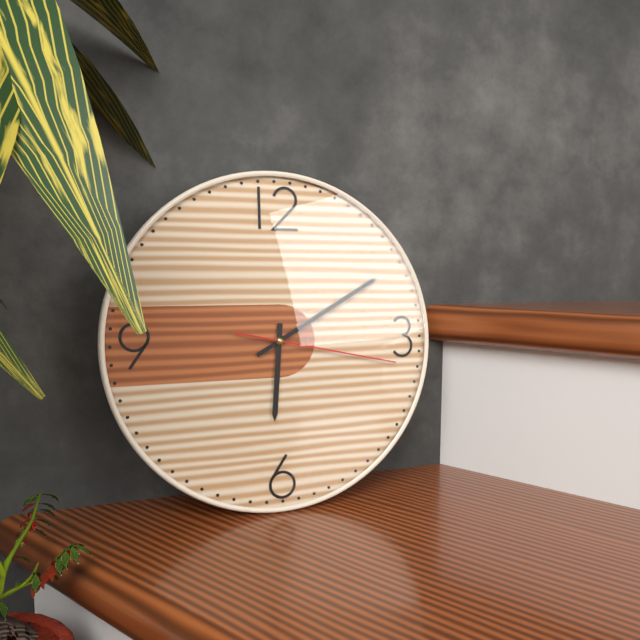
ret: {"hour": 6, "minute": 10, "second": 17}
